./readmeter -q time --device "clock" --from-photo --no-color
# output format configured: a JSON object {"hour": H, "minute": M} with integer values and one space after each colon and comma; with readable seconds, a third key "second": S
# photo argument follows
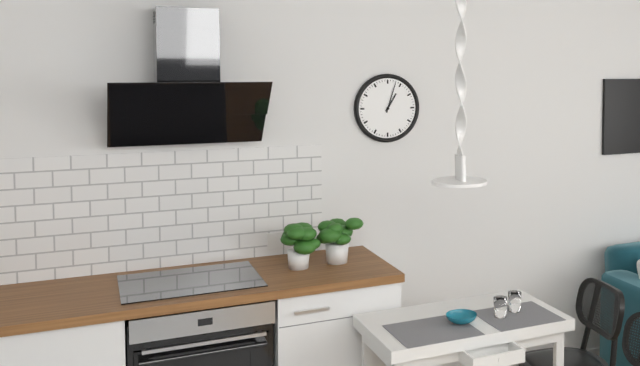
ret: {"hour": 1, "minute": 3}
